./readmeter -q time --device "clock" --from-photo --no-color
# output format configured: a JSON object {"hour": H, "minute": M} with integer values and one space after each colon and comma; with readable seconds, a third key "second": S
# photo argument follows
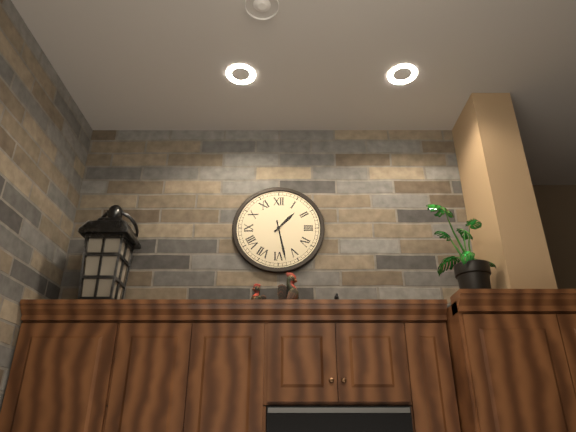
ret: {"hour": 1, "minute": 28}
